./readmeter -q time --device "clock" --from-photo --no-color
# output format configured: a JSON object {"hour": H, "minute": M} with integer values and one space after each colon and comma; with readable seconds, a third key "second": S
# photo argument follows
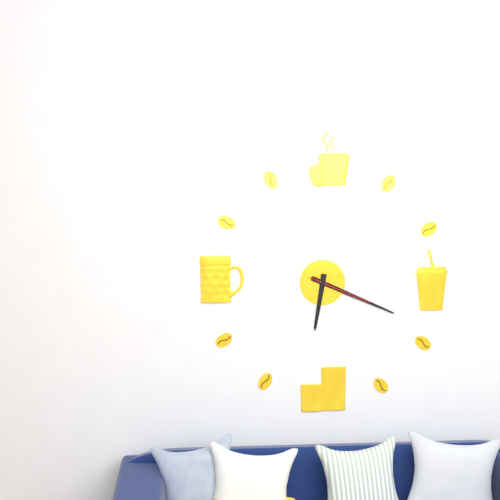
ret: {"hour": 6, "minute": 19, "second": 19}
